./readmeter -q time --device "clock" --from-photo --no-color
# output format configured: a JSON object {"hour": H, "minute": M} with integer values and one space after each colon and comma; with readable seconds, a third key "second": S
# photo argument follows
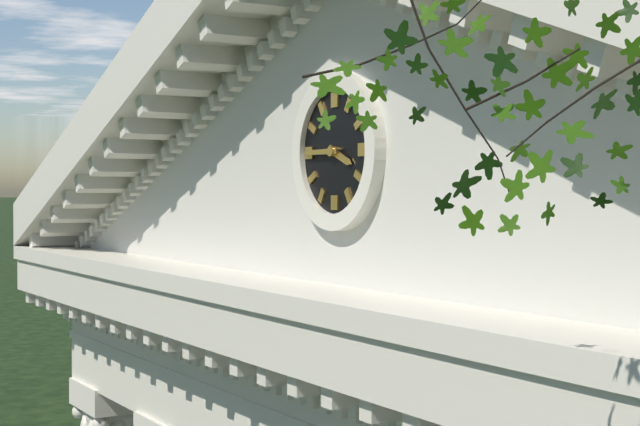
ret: {"hour": 3, "minute": 45}
